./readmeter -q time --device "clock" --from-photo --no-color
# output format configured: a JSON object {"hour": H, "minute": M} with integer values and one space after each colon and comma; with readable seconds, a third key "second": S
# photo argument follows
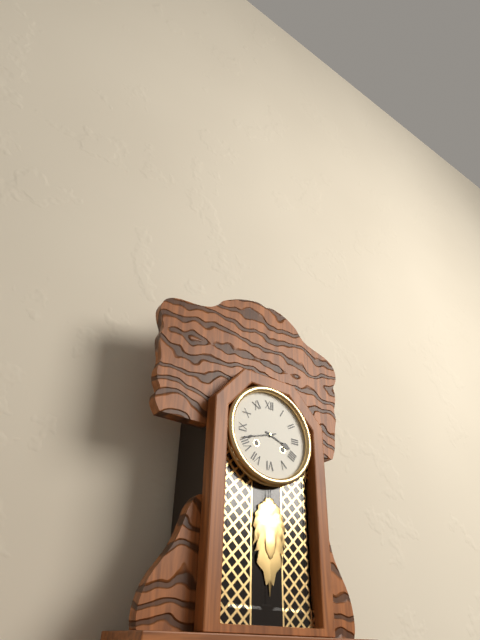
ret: {"hour": 3, "minute": 42}
